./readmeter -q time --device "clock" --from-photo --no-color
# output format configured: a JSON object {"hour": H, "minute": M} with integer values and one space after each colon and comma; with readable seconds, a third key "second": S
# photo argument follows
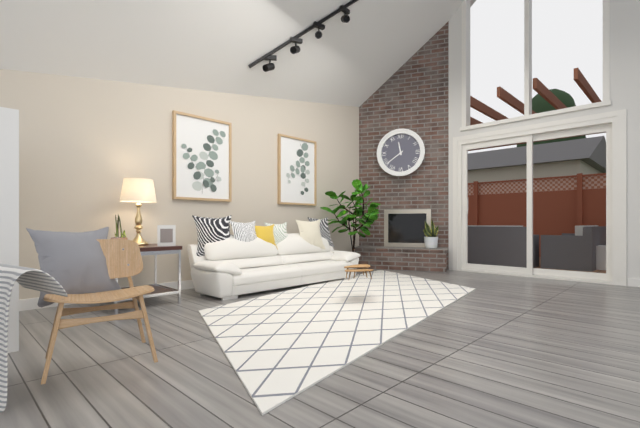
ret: {"hour": 11, "minute": 39}
